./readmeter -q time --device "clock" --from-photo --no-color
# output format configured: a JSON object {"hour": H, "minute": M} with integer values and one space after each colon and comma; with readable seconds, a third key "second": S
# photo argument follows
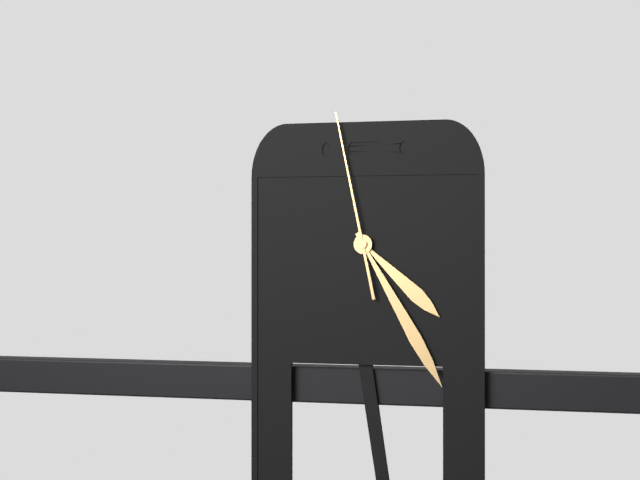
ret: {"hour": 4, "minute": 25, "second": 58}
